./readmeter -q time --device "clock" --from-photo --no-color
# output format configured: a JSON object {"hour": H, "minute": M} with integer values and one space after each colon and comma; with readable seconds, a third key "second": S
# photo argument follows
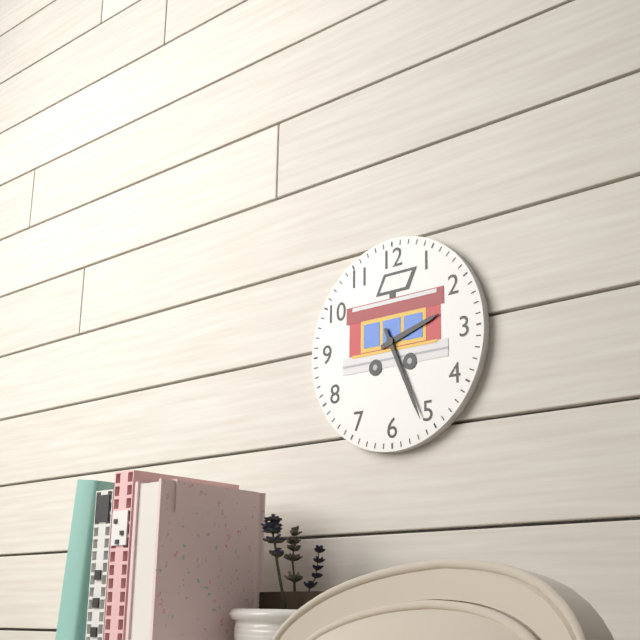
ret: {"hour": 2, "minute": 26}
